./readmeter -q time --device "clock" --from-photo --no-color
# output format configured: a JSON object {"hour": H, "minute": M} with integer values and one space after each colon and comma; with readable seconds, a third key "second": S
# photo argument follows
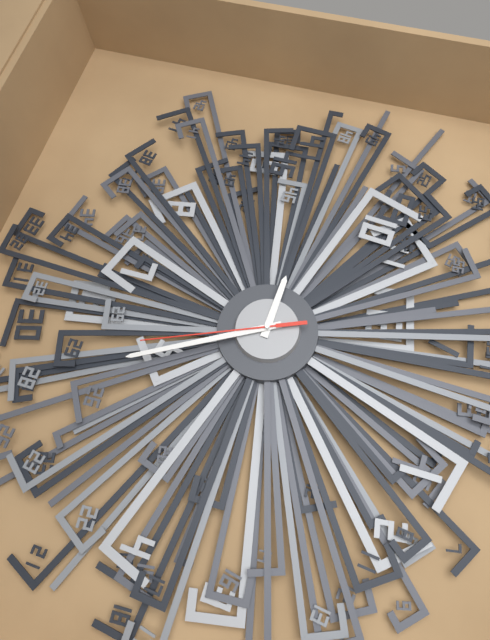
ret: {"hour": 9, "minute": 27, "second": 28}
